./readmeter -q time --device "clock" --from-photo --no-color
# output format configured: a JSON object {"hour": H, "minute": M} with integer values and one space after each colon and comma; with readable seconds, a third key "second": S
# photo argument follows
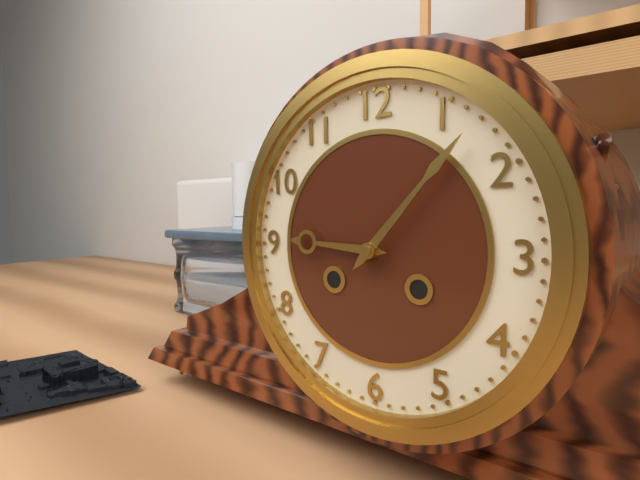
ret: {"hour": 9, "minute": 7}
